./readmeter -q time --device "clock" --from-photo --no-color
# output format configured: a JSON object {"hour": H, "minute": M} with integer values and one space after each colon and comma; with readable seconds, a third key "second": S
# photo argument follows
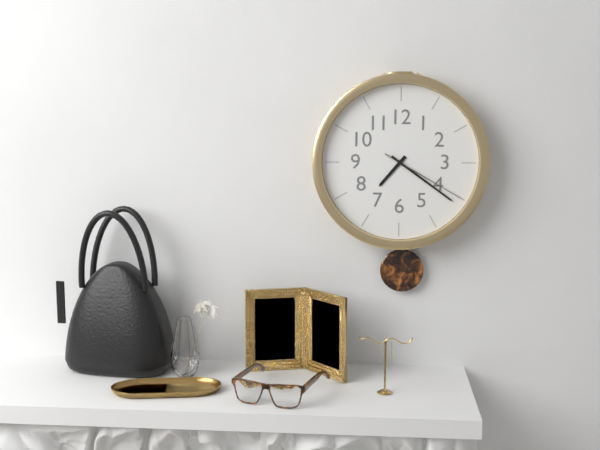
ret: {"hour": 7, "minute": 21, "second": 20}
